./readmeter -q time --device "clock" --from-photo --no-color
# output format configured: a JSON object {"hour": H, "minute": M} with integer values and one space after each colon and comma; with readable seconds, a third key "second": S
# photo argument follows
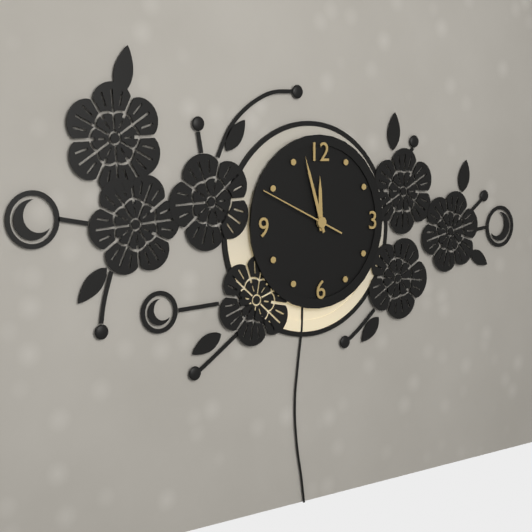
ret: {"hour": 11, "minute": 57, "second": 49}
